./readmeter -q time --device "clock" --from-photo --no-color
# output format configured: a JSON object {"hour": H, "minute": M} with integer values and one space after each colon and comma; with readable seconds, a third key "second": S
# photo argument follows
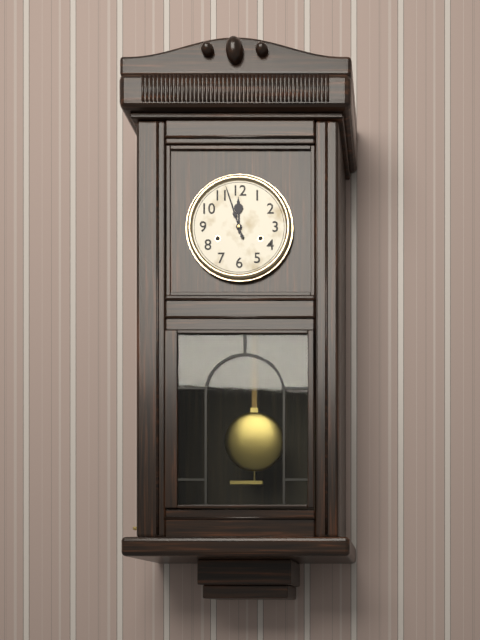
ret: {"hour": 11, "minute": 57}
